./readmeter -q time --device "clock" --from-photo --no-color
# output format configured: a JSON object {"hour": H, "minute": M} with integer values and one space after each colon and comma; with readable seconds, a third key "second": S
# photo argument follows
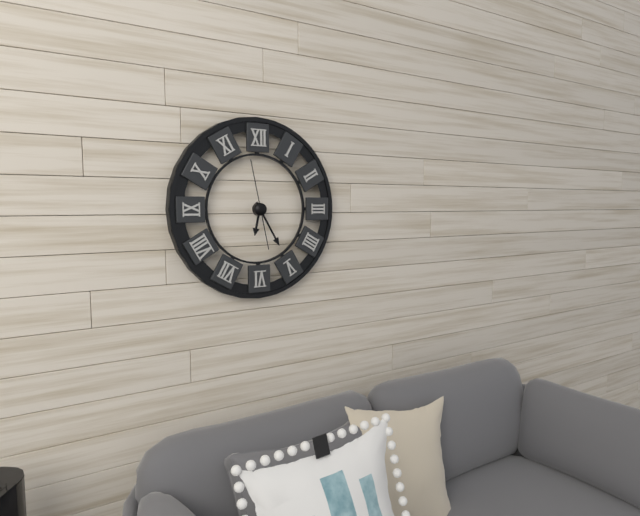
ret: {"hour": 6, "minute": 25, "second": 58}
